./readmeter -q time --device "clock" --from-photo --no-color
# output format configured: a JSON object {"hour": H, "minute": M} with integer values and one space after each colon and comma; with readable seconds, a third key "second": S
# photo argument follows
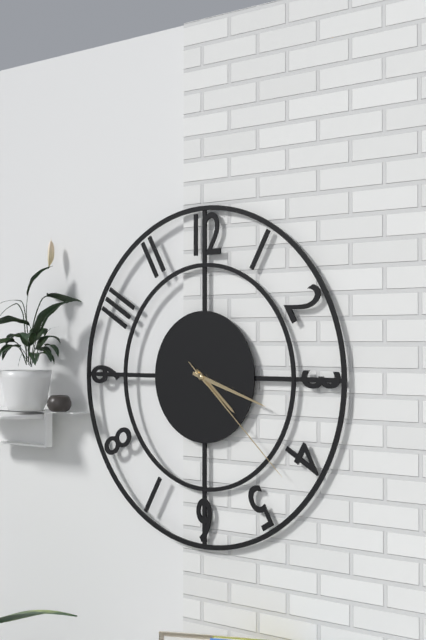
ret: {"hour": 4, "minute": 18, "second": 22}
